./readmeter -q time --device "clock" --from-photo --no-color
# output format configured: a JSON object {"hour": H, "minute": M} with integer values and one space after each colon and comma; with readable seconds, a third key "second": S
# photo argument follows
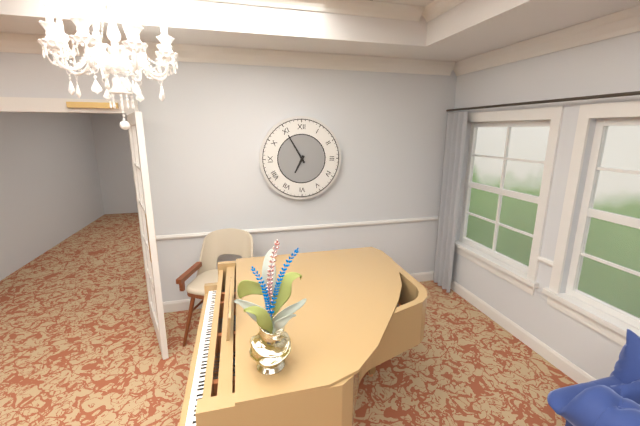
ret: {"hour": 6, "minute": 55}
